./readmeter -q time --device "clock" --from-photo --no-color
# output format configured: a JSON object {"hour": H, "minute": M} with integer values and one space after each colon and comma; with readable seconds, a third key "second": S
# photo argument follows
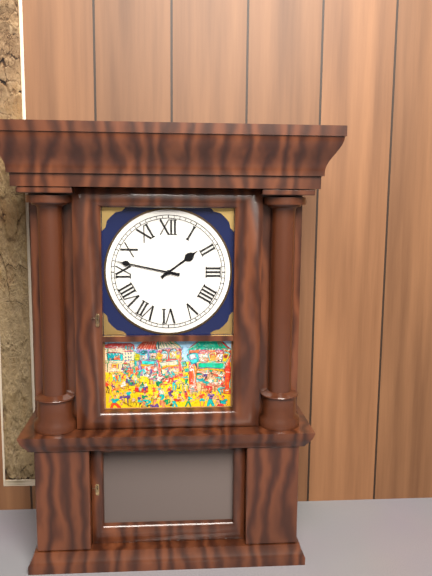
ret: {"hour": 1, "minute": 47}
